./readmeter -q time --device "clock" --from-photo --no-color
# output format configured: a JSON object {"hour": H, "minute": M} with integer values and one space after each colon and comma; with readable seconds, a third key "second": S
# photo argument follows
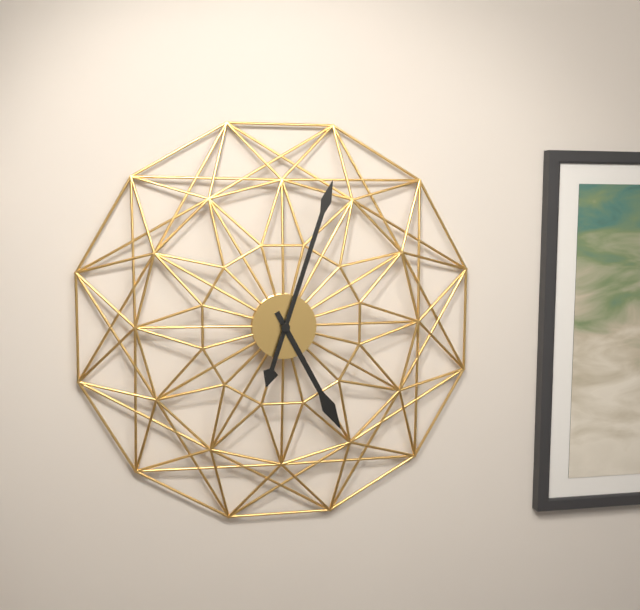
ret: {"hour": 5, "minute": 3}
